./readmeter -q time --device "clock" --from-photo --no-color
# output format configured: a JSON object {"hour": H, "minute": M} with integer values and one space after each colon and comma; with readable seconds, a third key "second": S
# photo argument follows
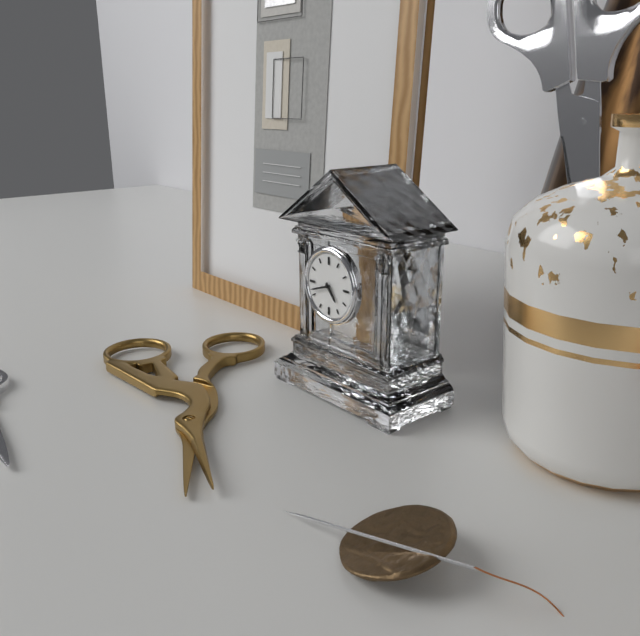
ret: {"hour": 4, "minute": 42}
